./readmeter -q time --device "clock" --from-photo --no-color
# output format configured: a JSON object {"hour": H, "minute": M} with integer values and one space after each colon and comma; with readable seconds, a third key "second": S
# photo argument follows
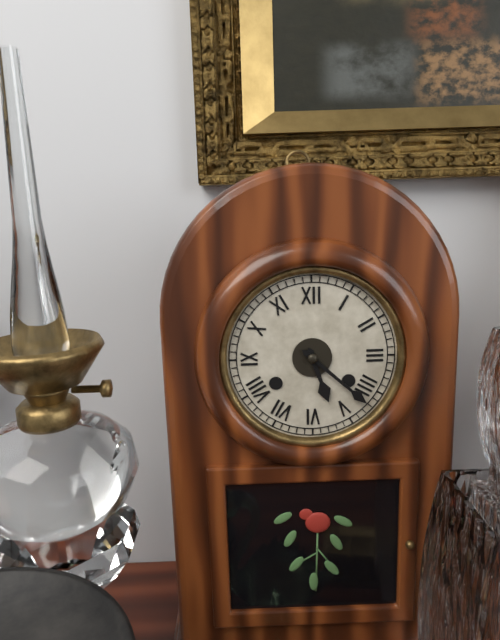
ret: {"hour": 5, "minute": 22}
